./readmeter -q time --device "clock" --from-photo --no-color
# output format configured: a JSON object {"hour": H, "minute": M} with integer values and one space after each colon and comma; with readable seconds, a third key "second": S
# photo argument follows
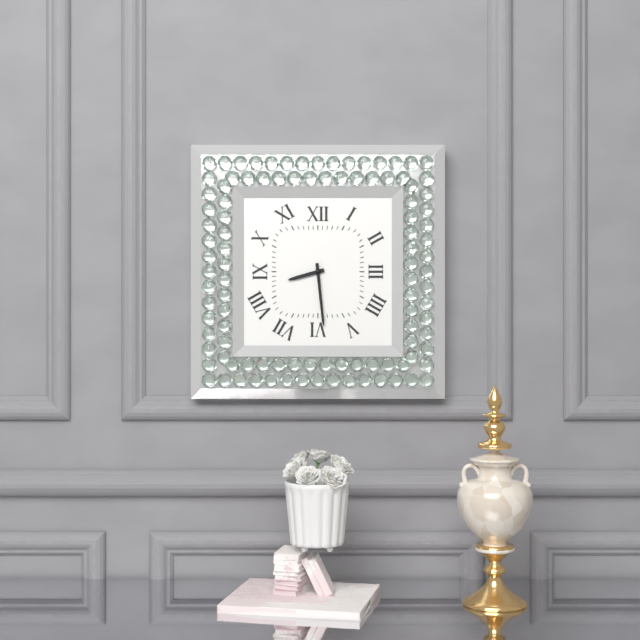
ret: {"hour": 8, "minute": 29}
